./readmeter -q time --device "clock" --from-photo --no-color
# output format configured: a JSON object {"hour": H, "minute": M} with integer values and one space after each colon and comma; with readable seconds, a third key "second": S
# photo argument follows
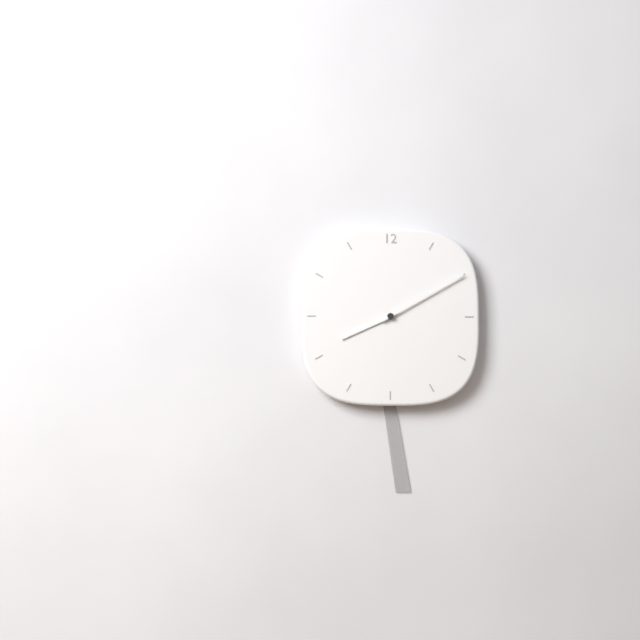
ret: {"hour": 8, "minute": 10}
